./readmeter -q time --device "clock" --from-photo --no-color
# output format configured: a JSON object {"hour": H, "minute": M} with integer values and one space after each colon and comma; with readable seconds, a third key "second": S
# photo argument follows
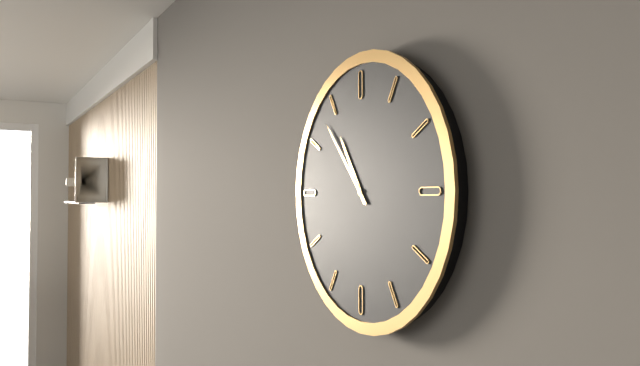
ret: {"hour": 10, "minute": 53}
